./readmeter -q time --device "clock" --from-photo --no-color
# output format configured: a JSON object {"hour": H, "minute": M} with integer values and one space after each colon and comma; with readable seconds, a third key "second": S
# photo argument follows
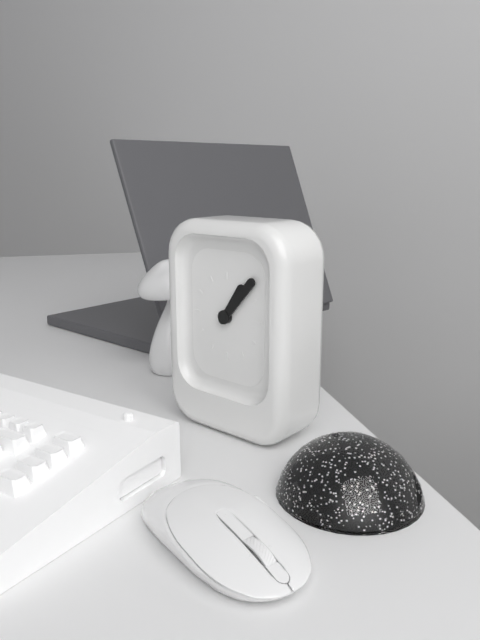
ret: {"hour": 1, "minute": 7}
